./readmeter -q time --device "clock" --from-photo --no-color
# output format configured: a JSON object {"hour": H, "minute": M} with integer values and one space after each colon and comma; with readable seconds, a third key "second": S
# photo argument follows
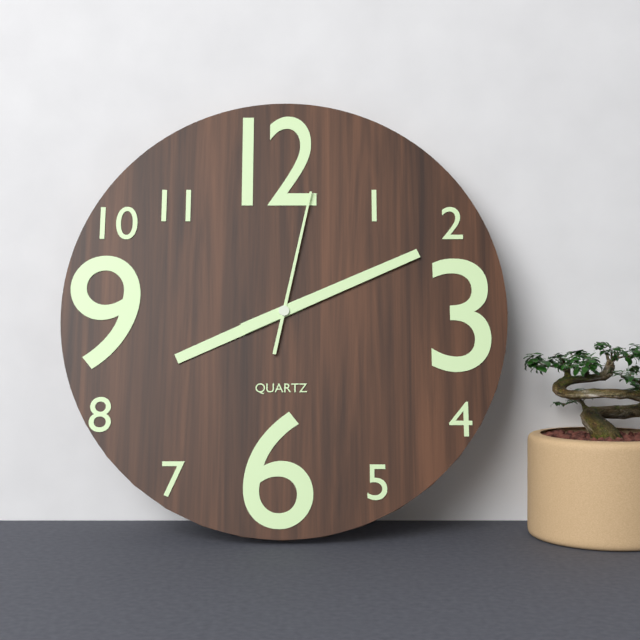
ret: {"hour": 8, "minute": 11, "second": 2}
